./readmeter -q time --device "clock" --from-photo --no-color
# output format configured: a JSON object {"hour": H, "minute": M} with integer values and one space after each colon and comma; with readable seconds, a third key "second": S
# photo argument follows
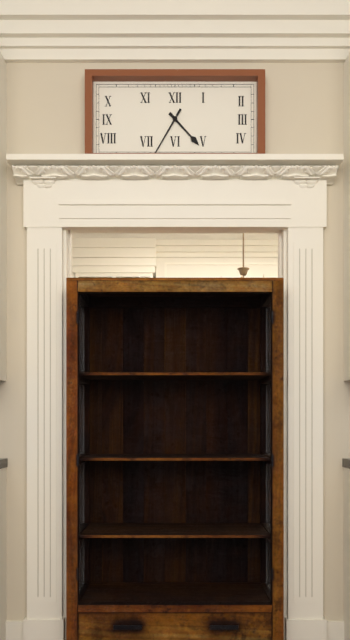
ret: {"hour": 4, "minute": 35}
